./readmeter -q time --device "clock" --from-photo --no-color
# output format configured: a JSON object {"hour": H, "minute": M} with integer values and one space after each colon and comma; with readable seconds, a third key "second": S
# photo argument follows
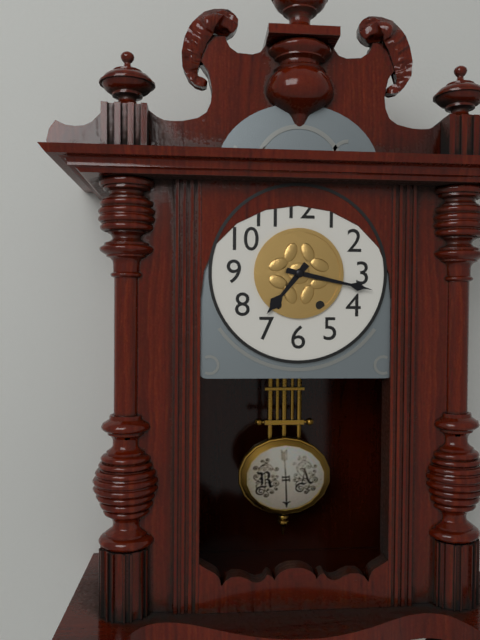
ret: {"hour": 7, "minute": 17}
